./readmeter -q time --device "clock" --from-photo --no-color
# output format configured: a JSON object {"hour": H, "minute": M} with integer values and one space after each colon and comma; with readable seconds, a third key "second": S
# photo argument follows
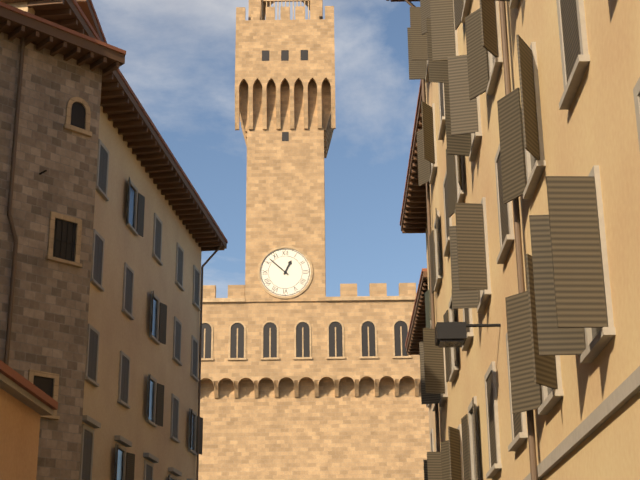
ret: {"hour": 12, "minute": 52}
